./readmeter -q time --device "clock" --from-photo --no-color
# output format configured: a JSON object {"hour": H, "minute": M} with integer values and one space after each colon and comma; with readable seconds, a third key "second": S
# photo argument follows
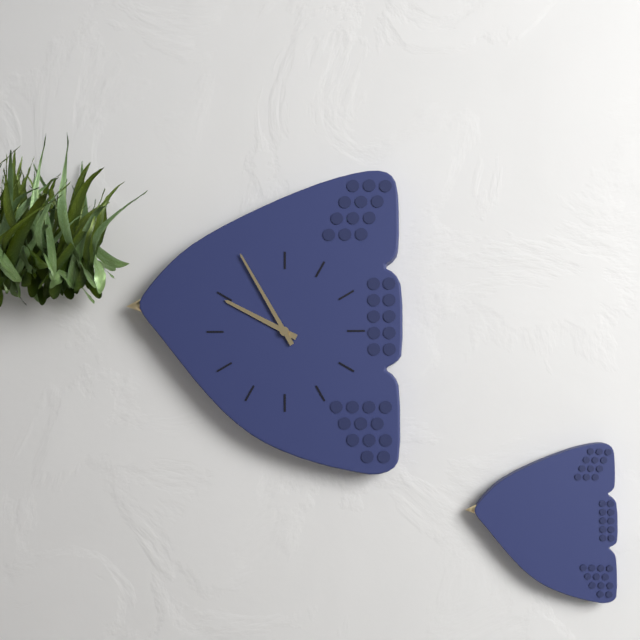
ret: {"hour": 9, "minute": 55}
